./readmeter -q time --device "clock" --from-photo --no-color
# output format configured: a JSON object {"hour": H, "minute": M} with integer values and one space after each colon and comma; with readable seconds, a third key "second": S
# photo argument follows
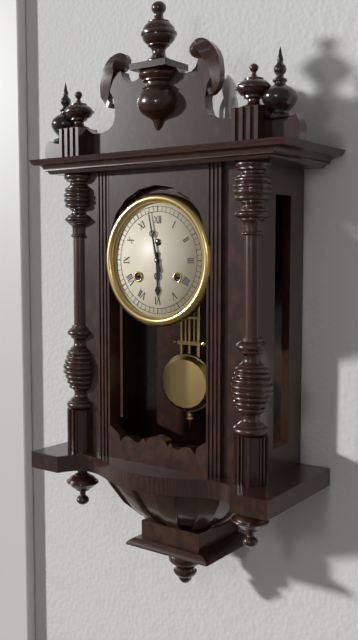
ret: {"hour": 5, "minute": 58}
